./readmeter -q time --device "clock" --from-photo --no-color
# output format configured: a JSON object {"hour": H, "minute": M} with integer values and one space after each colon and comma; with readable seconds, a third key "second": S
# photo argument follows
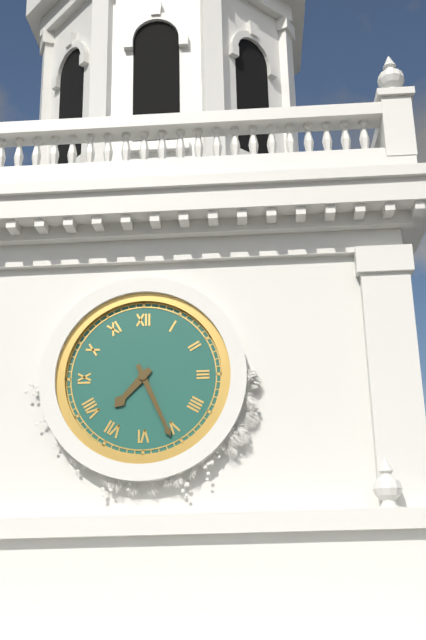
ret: {"hour": 7, "minute": 26}
